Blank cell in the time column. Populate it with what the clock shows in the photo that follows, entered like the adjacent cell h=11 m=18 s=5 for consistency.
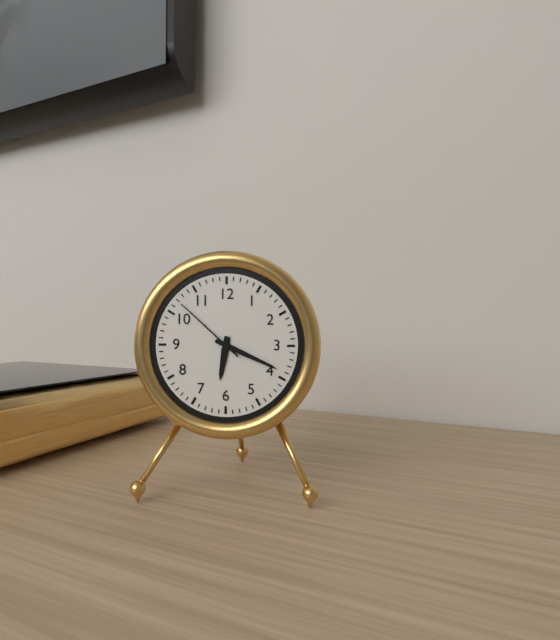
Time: h=6 m=19 s=52
